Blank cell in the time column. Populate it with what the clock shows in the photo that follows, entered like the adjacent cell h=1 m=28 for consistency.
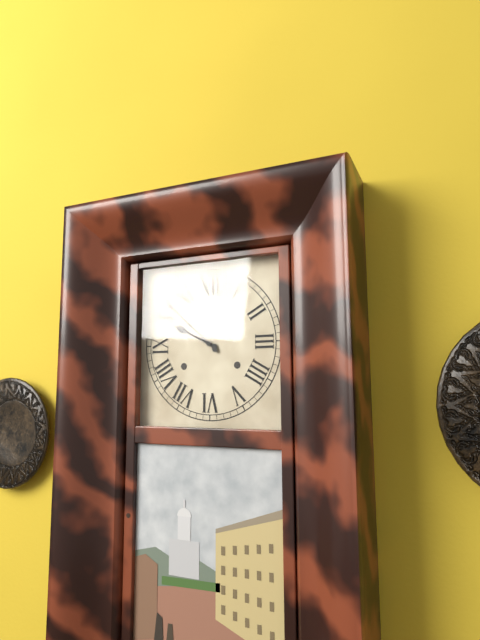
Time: h=9 m=52
